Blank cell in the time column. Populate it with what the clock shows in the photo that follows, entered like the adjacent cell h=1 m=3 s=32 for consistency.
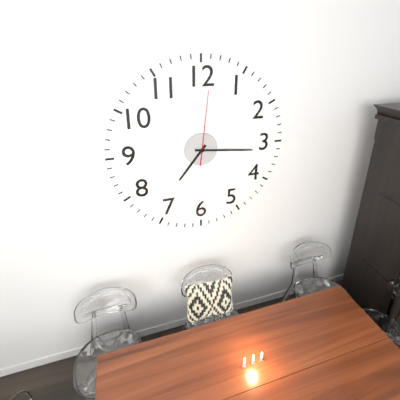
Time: h=7 m=16 s=1
